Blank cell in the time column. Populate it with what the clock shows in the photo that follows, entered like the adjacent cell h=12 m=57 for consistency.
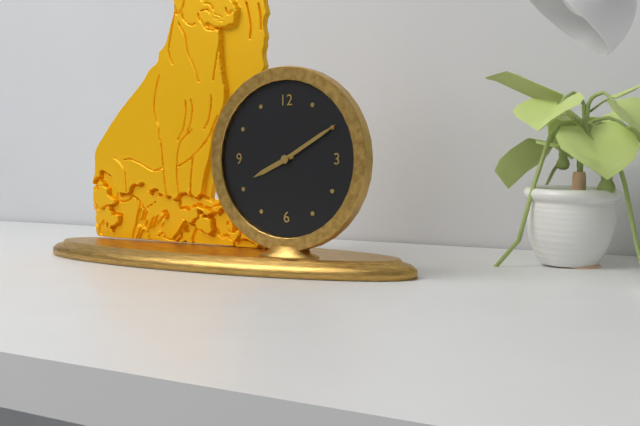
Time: h=8 m=10
